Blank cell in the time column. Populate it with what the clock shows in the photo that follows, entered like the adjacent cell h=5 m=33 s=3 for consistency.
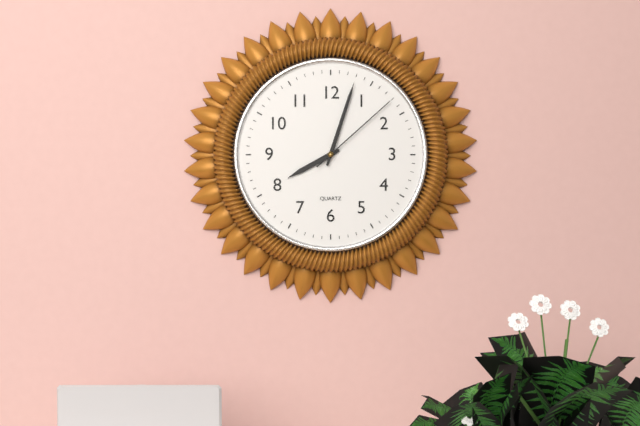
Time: h=8 m=3 s=8
